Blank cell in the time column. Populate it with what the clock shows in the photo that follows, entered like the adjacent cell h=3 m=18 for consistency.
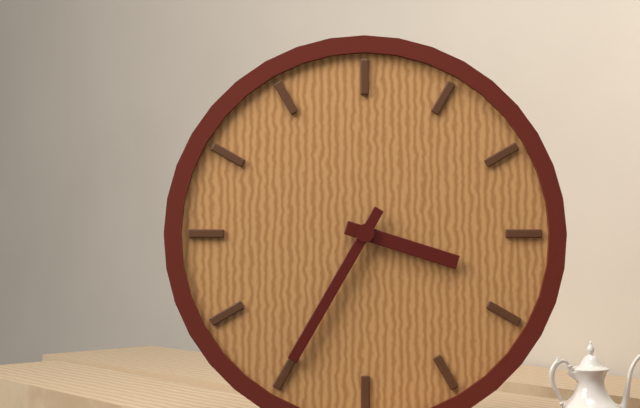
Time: h=3 m=35
